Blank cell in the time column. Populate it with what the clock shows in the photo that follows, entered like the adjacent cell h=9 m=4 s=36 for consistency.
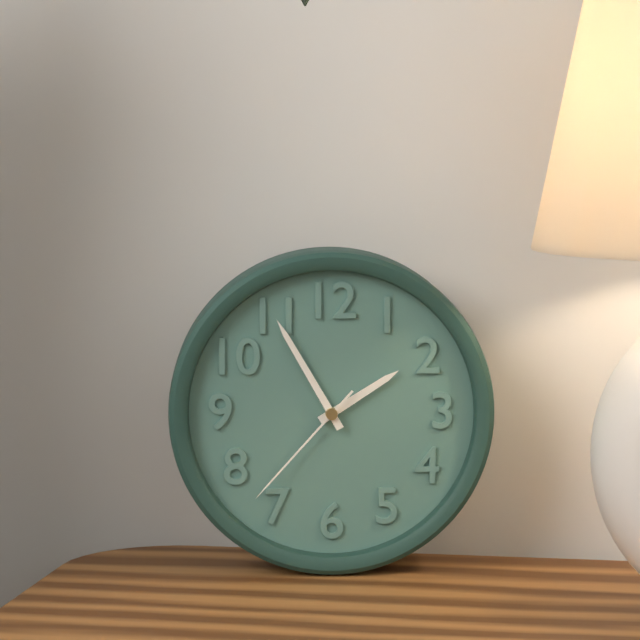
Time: h=1 m=55 s=37
